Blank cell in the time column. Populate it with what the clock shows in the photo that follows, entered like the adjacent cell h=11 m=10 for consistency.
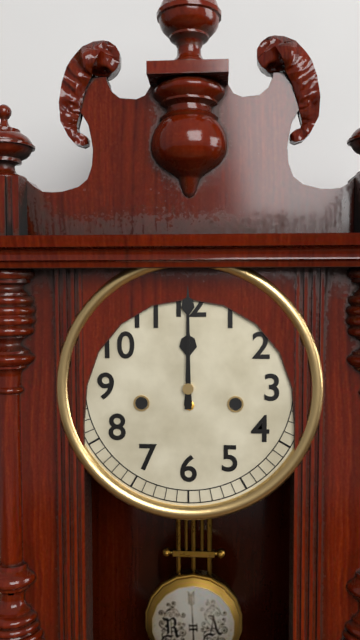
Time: h=12 m=0
